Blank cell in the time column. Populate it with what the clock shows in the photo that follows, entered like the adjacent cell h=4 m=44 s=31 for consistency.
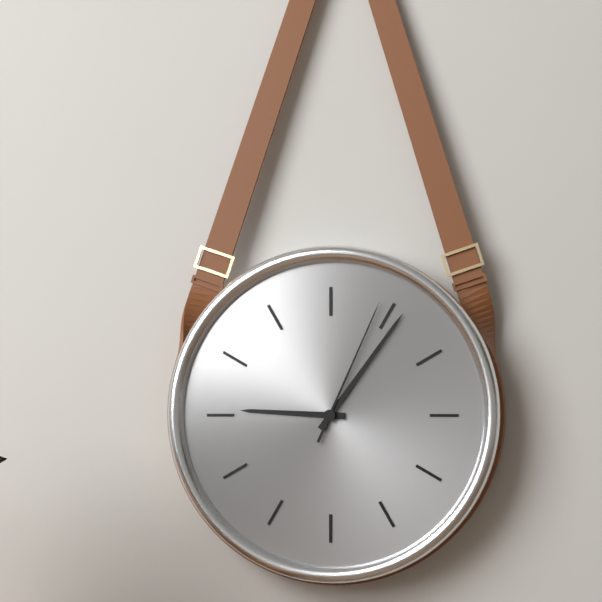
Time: h=9 m=6 s=4
